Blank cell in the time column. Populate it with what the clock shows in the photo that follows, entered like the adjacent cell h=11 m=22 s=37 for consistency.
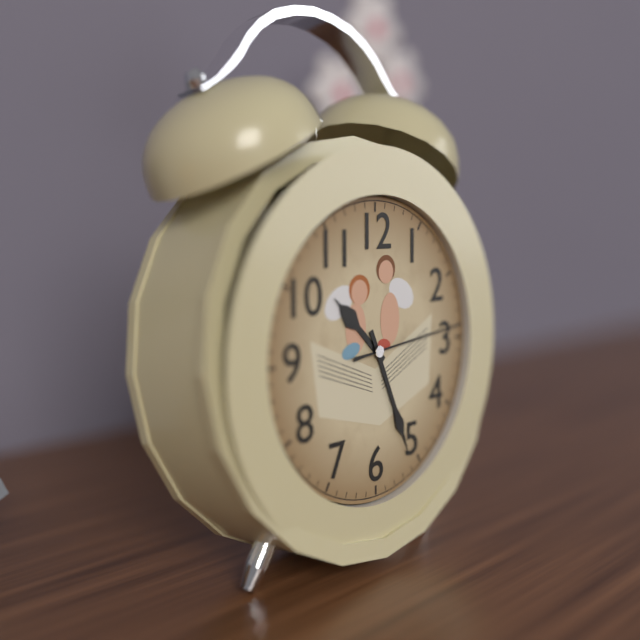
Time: h=10 m=26 s=14
